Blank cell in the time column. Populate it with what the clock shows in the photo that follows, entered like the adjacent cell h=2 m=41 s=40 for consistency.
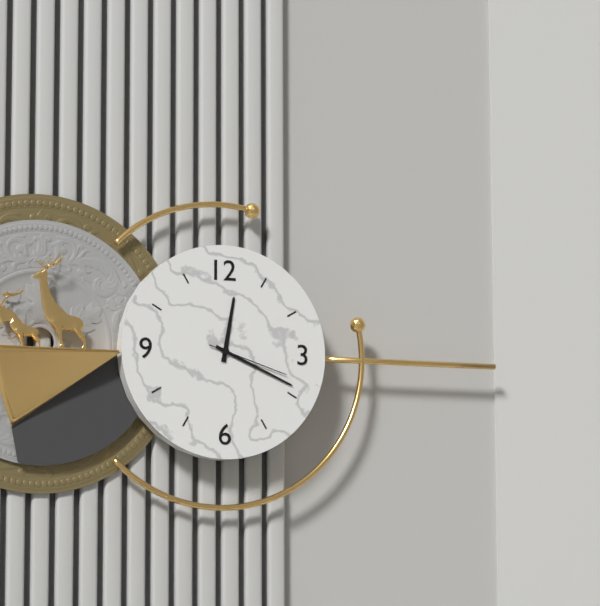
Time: h=12 m=19 s=18
